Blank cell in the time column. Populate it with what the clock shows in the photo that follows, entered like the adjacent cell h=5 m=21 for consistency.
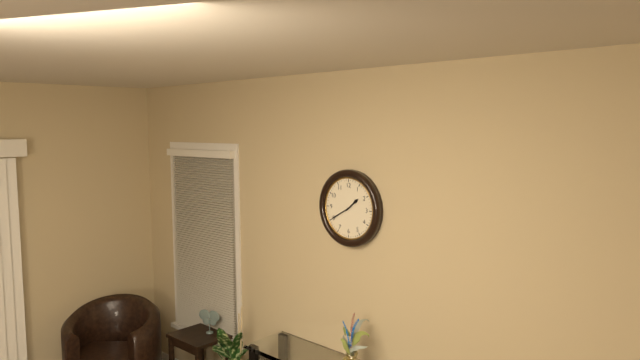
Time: h=1 m=40
